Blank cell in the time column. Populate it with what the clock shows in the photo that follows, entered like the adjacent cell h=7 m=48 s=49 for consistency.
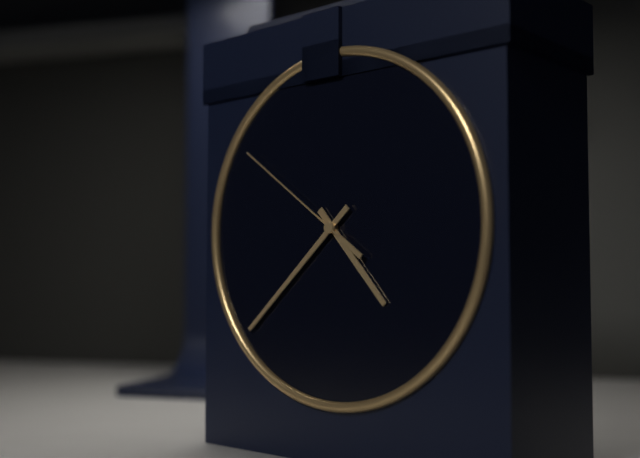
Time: h=4 m=38 s=51
